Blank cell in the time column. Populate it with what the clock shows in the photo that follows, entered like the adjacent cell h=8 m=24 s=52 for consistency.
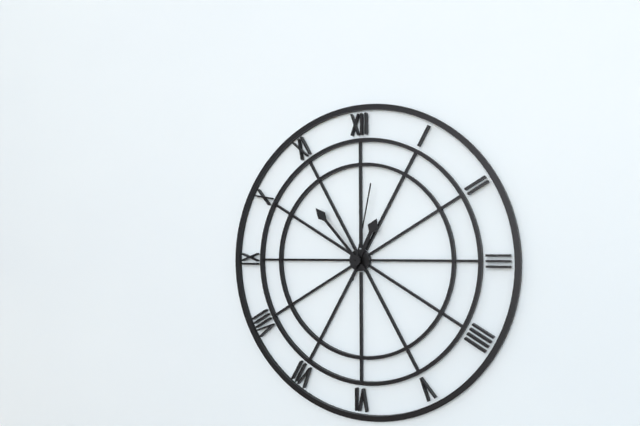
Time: h=12 m=53 s=2
